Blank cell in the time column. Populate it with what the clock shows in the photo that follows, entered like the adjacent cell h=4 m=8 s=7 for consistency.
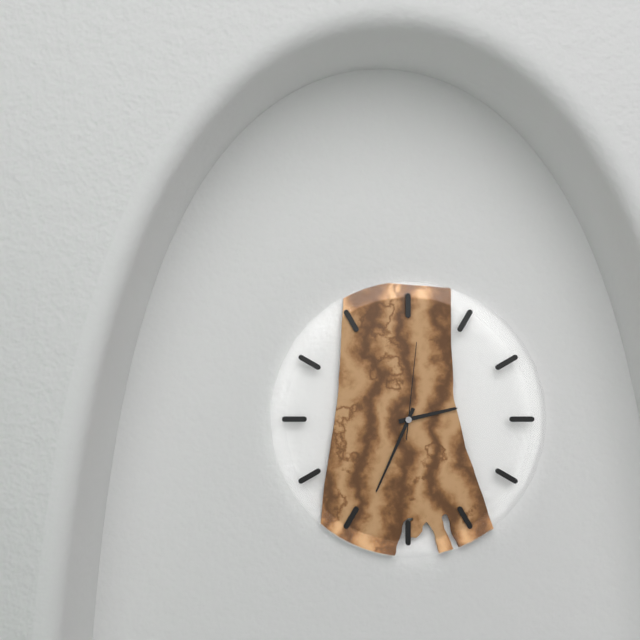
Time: h=2 m=34 s=1
